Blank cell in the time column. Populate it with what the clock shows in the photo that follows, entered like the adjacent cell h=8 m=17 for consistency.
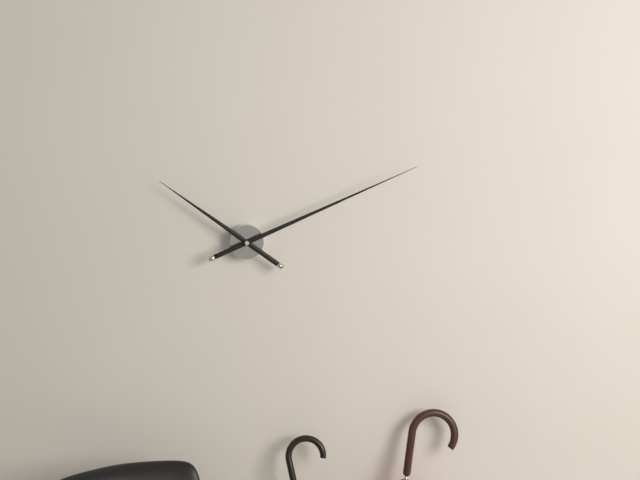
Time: h=10 m=11
